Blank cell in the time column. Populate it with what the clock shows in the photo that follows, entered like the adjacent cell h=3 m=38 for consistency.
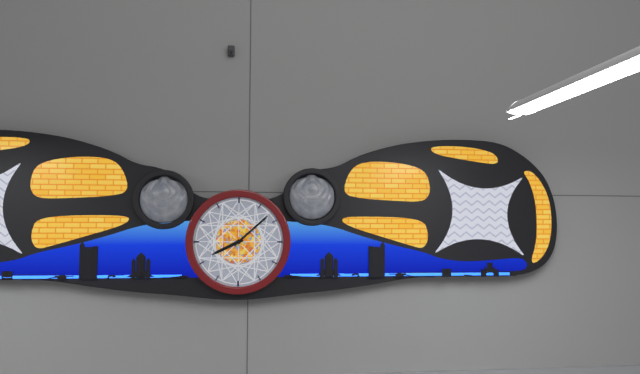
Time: h=8 m=8
